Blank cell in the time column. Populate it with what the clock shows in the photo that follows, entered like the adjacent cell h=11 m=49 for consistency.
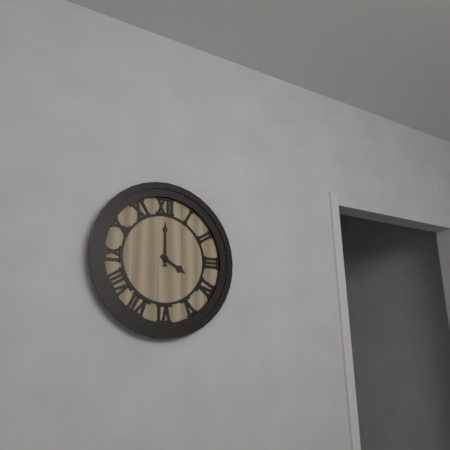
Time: h=4 m=0
